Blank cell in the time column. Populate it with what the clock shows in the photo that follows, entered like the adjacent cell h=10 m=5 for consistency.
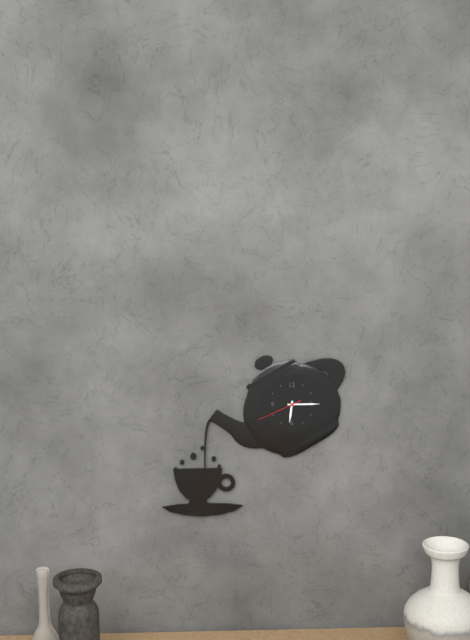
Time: h=6 m=15
